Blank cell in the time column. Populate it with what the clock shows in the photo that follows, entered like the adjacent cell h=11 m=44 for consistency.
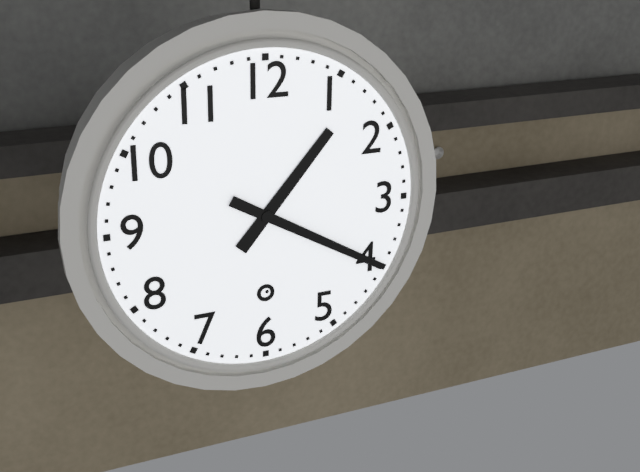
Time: h=1 m=20
